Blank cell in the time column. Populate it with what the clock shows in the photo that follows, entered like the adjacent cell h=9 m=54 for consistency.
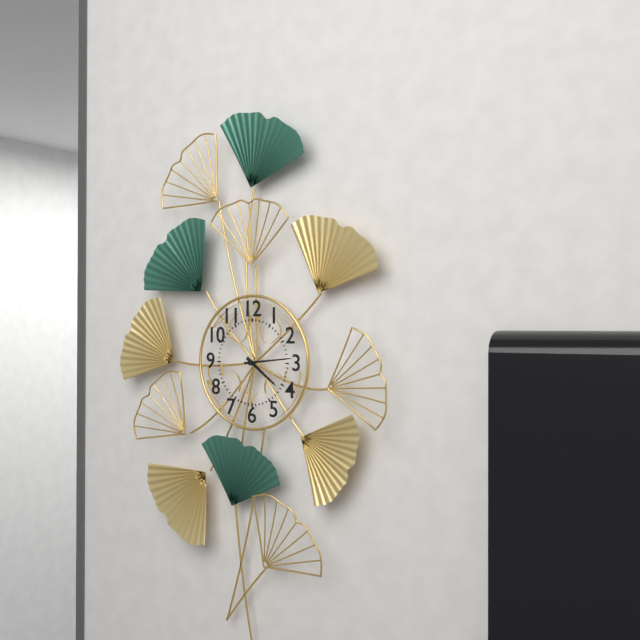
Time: h=4 m=14
